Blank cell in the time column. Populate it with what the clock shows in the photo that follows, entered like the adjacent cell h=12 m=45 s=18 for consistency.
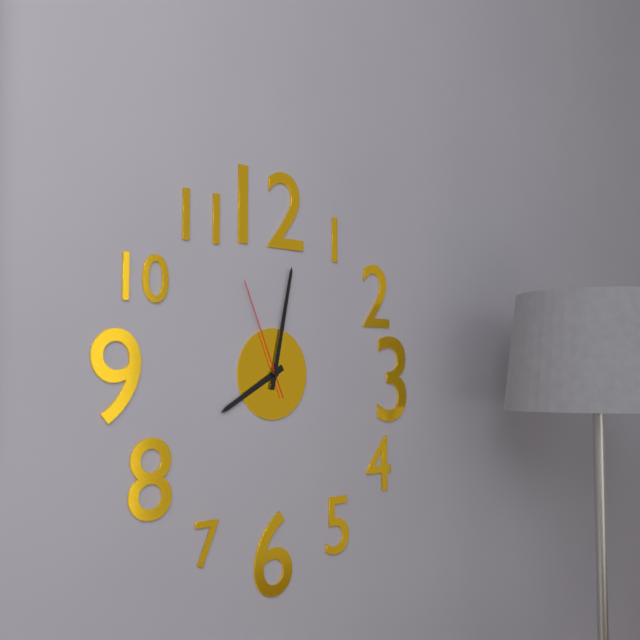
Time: h=8 m=2 s=56
